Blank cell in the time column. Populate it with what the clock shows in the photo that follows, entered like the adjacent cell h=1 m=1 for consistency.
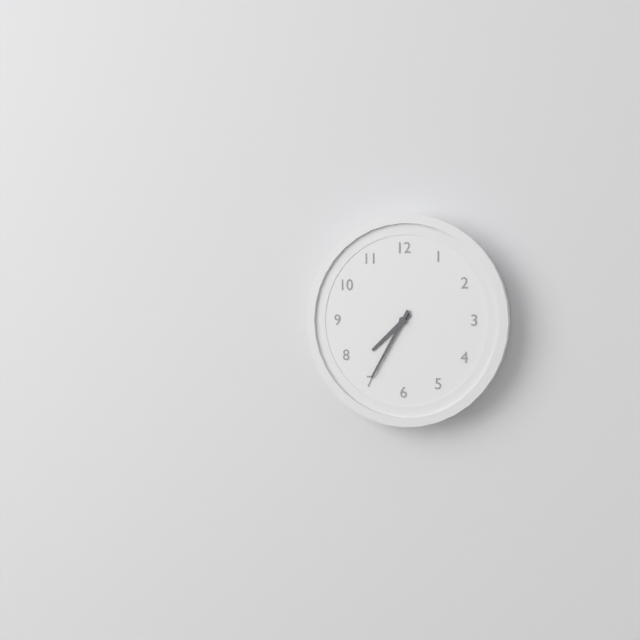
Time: h=7 m=35
